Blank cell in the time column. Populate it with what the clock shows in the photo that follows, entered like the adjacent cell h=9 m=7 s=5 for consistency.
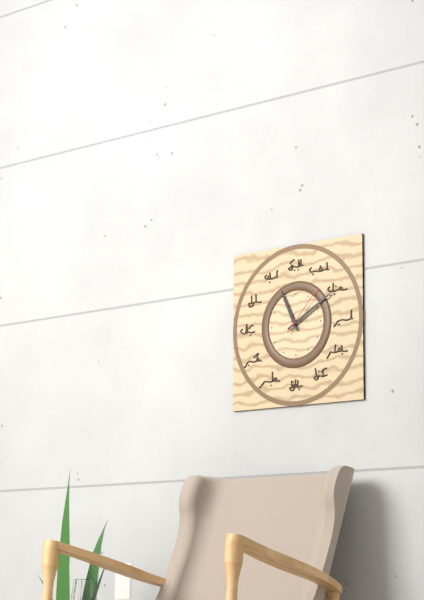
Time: h=11 m=10 s=7
